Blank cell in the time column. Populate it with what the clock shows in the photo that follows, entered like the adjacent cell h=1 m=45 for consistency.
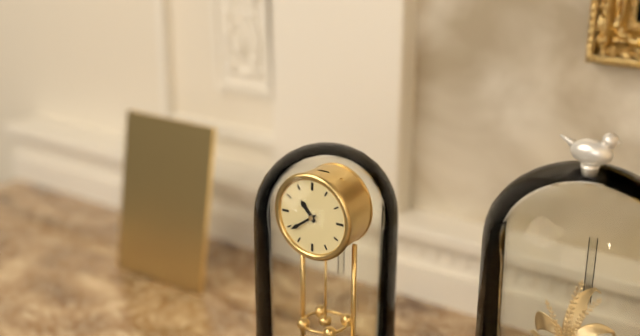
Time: h=10 m=39
